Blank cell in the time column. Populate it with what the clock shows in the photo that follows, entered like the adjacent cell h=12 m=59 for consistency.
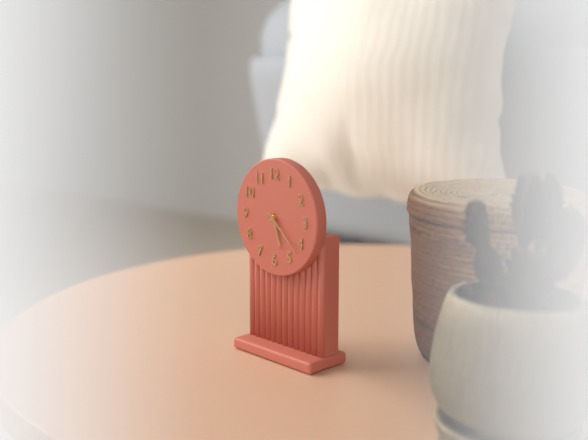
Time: h=5 m=22
